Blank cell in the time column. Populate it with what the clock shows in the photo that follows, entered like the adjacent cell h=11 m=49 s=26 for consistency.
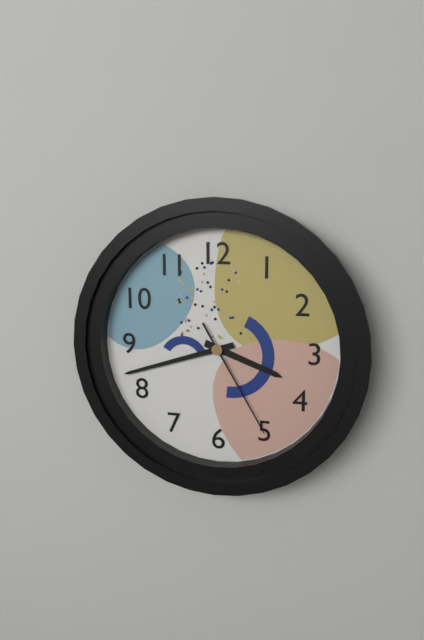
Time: h=3 m=42 s=25
